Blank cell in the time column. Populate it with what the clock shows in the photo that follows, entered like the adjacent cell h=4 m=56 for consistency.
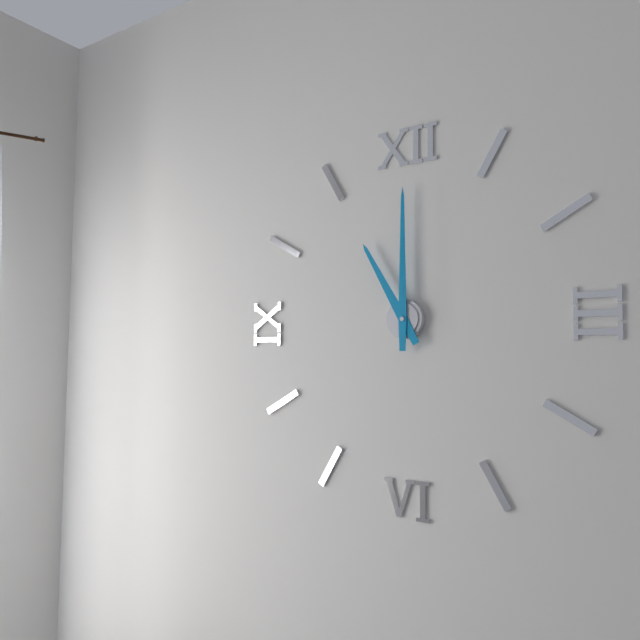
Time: h=11 m=0
